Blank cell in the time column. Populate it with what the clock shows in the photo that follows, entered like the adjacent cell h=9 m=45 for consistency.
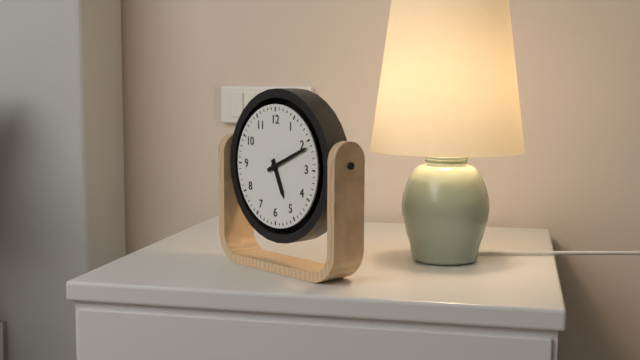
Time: h=5 m=11
